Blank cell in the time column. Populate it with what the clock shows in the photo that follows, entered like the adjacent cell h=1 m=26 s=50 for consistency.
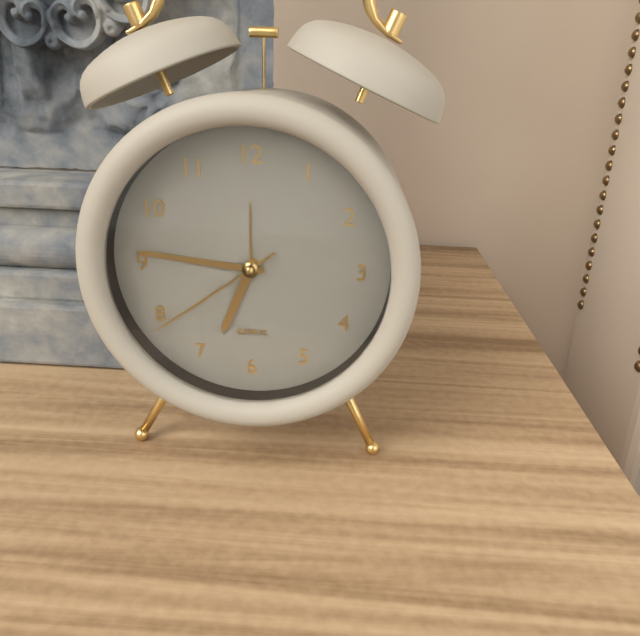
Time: h=6 m=46 s=39
